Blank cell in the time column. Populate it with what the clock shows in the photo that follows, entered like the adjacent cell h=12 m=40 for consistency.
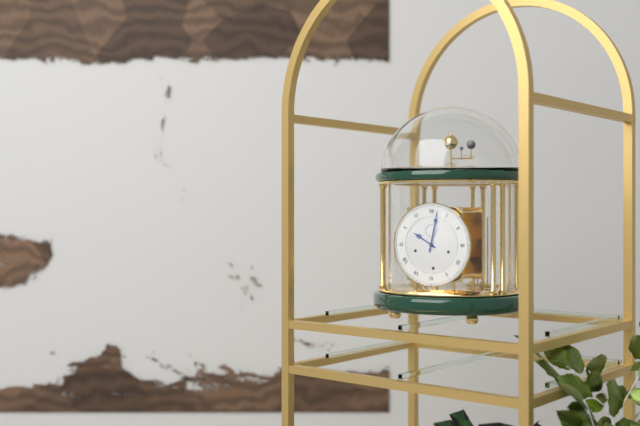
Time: h=10 m=2
